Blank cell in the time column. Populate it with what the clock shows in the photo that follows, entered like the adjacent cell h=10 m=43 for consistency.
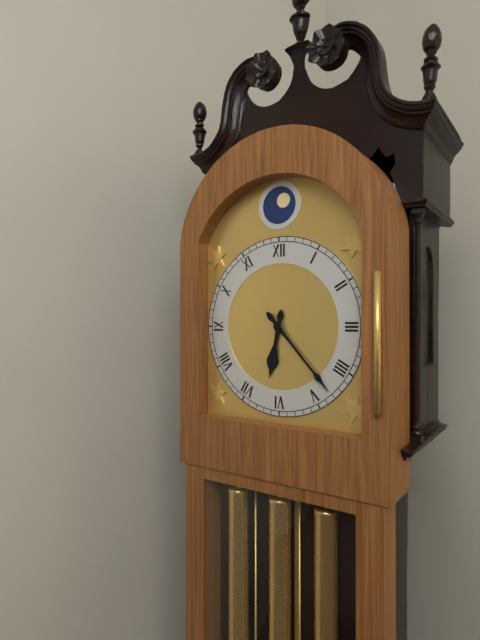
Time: h=6 m=23
